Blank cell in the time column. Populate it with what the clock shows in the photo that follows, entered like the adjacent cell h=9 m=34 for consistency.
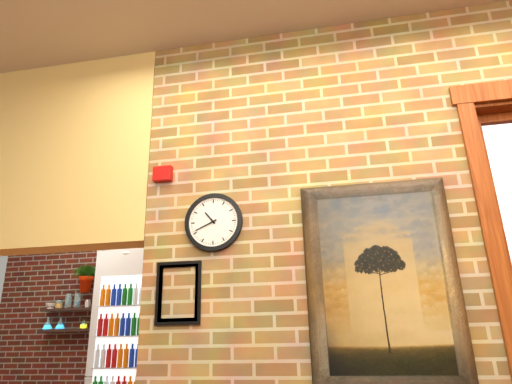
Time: h=10 m=41
